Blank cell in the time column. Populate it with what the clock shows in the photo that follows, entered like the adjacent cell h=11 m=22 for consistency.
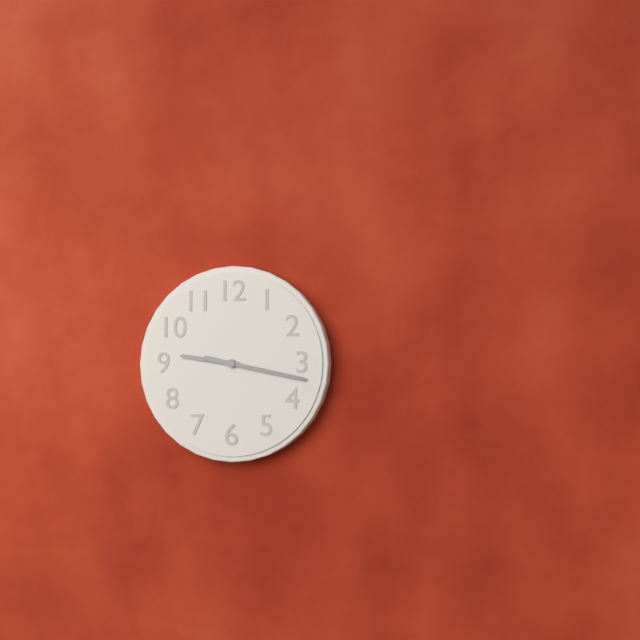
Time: h=9 m=17
